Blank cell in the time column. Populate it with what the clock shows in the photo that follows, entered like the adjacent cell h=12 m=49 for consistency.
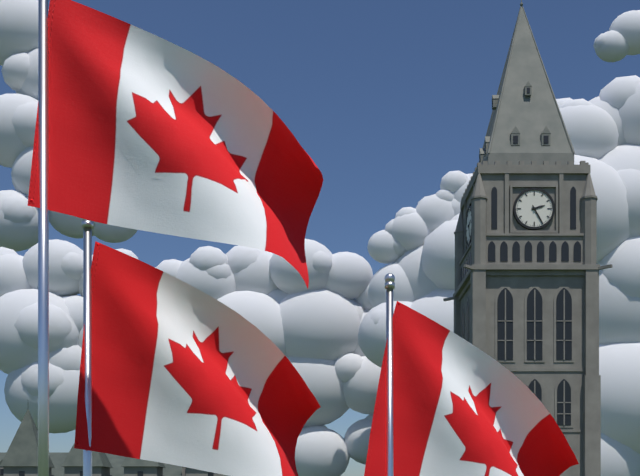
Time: h=2 m=25
